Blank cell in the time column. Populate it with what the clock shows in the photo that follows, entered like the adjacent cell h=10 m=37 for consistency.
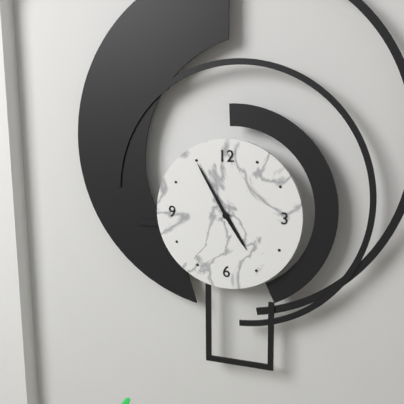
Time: h=4 m=55
